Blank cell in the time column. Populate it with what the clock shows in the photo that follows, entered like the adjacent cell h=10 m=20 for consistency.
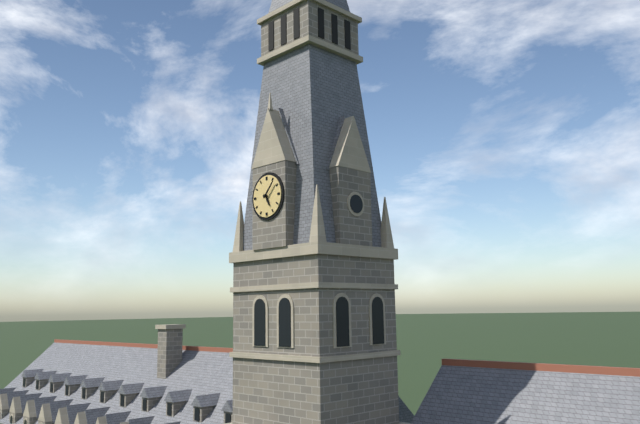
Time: h=5 m=7
